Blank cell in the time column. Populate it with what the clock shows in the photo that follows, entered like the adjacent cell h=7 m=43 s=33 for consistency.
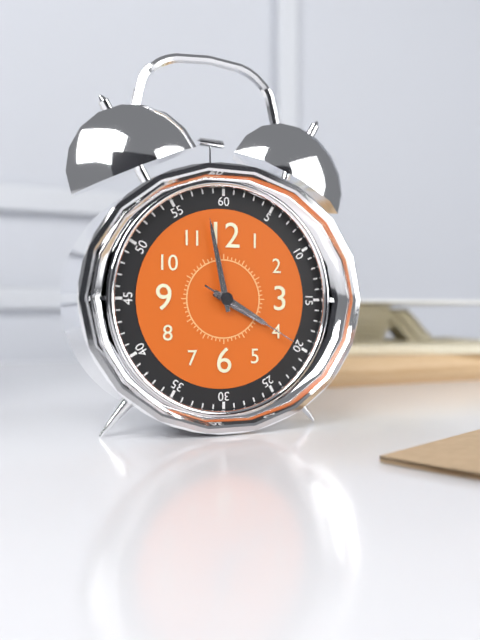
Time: h=3 m=58 s=20
